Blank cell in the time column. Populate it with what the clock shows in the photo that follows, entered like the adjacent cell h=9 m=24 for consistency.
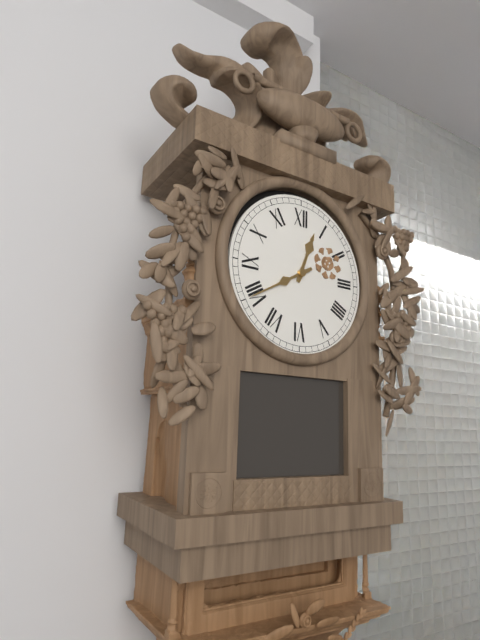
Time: h=12 m=40
